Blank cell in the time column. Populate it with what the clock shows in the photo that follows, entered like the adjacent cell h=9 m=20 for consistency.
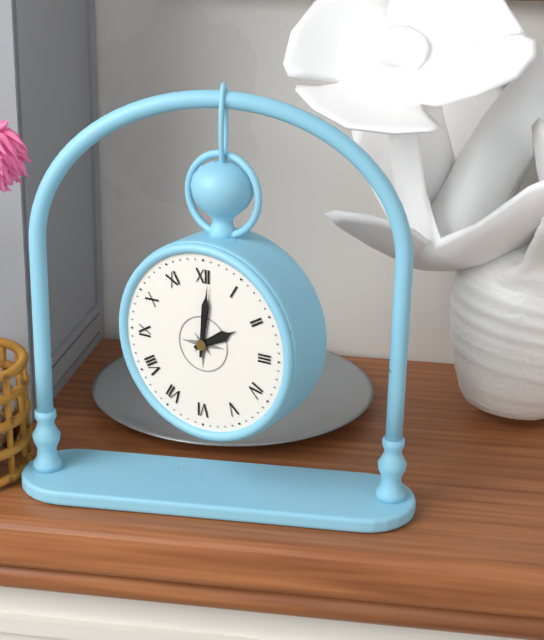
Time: h=2 m=1
